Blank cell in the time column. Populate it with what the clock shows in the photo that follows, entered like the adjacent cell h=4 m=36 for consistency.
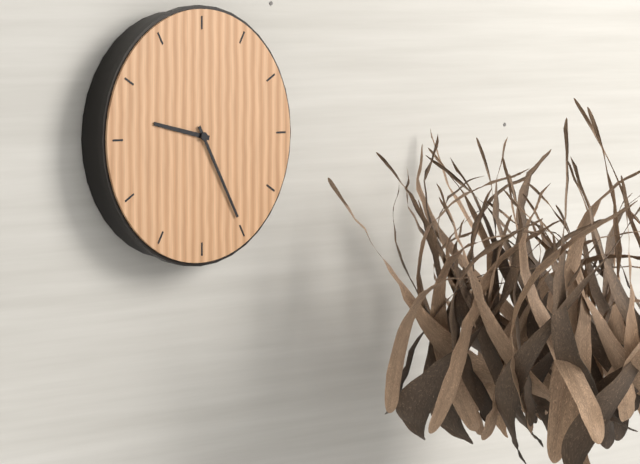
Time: h=9 m=25
